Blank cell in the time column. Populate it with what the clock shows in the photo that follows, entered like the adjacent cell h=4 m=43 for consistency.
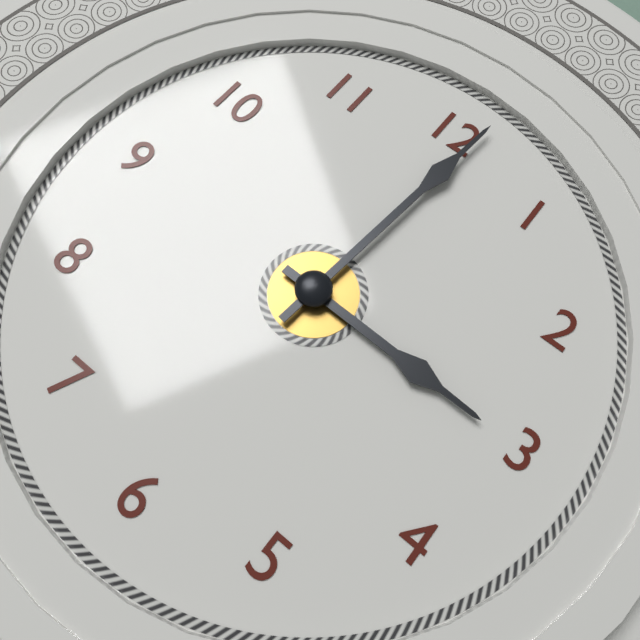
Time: h=3 m=1
